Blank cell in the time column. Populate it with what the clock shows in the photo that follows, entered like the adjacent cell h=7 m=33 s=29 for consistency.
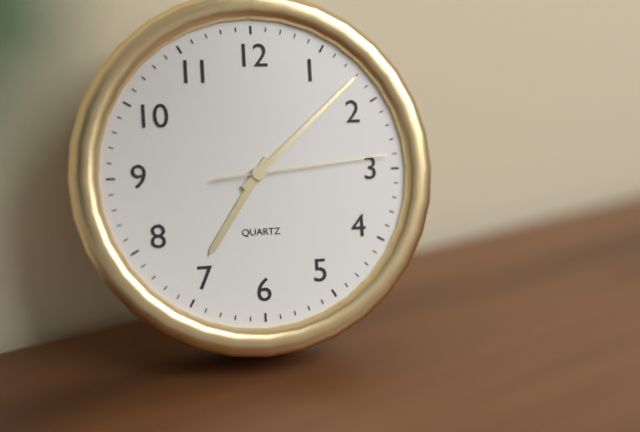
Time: h=7 m=8 s=14
